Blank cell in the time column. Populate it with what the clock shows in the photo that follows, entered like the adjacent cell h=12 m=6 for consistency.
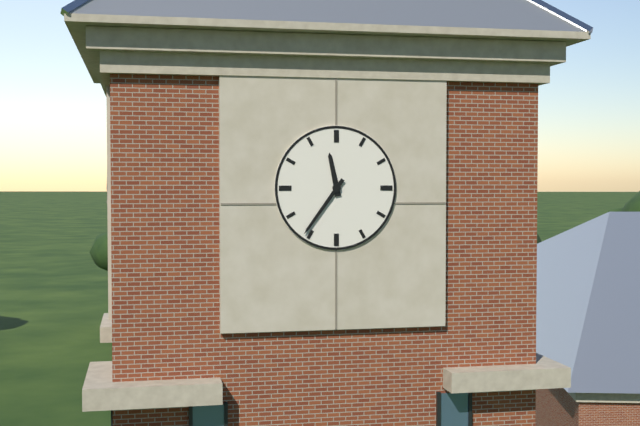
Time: h=11 m=36
